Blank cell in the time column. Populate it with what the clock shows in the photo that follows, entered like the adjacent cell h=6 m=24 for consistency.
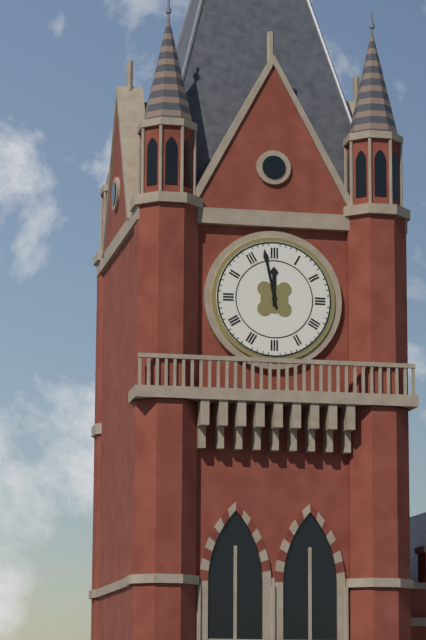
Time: h=11 m=58
